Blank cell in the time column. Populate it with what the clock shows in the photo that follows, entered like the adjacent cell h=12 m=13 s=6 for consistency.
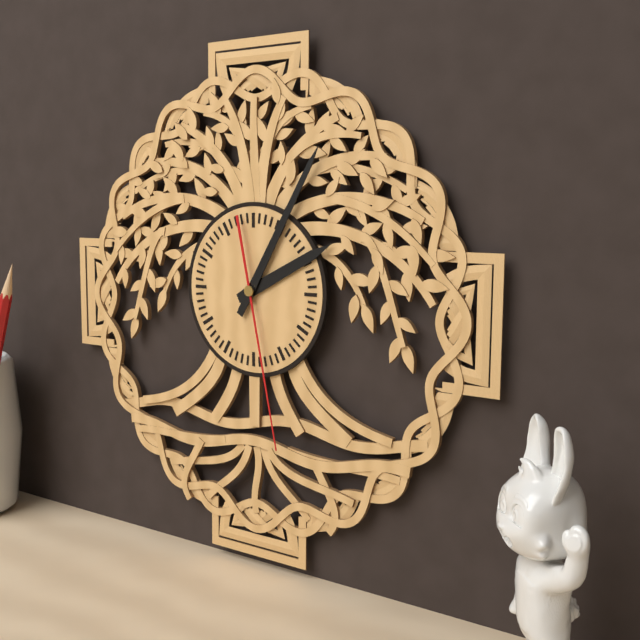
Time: h=2 m=5 s=28
